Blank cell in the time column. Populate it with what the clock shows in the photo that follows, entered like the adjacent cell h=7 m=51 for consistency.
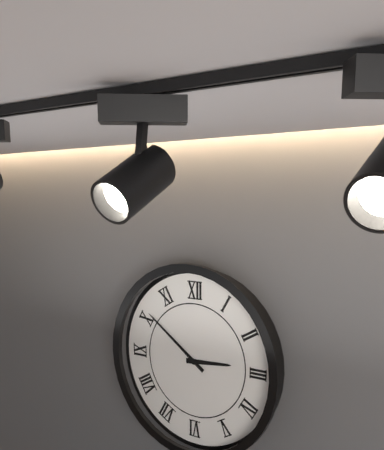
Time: h=2 m=51
